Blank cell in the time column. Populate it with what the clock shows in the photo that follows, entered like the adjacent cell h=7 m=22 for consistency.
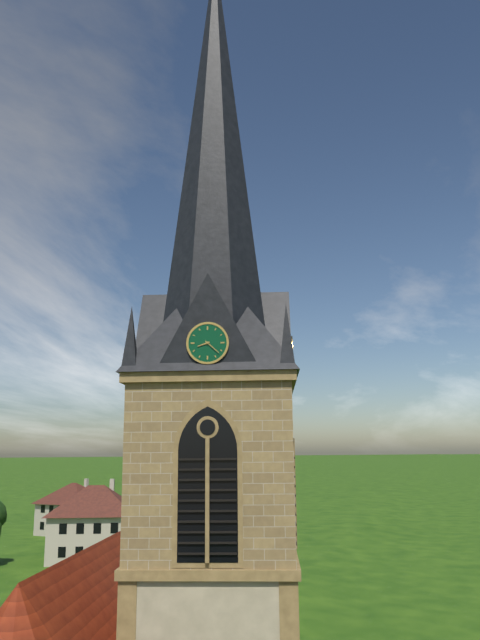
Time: h=8 m=22
